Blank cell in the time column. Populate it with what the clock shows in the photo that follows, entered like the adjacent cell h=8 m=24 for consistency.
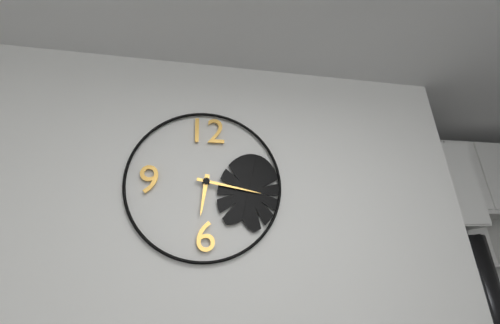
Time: h=6 m=17
